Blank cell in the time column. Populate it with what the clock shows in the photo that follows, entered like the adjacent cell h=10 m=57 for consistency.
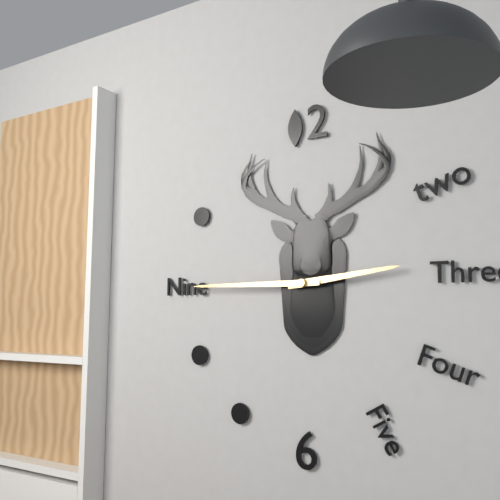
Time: h=2 m=45
